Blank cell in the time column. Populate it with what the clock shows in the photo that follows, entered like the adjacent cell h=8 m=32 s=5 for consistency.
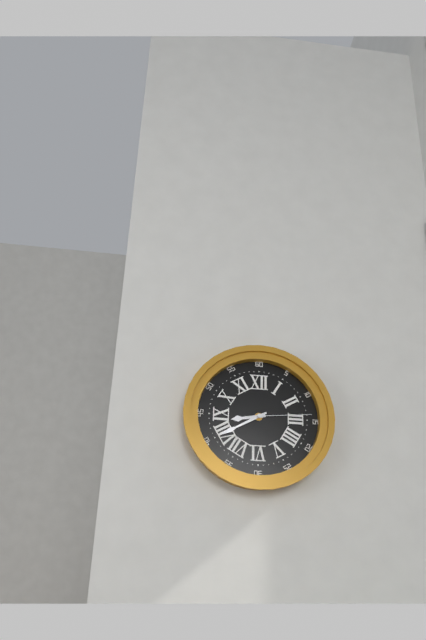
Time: h=8 m=40 s=14
